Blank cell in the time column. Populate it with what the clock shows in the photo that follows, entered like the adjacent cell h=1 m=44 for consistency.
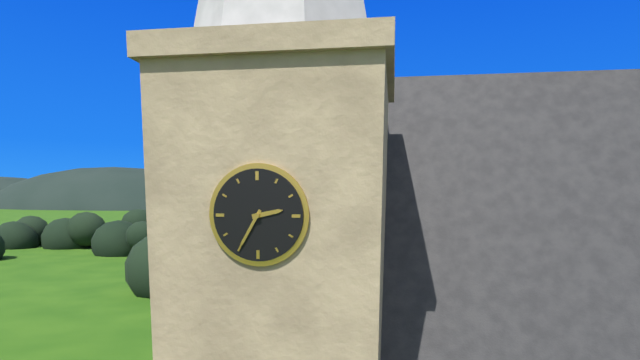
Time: h=2 m=35
